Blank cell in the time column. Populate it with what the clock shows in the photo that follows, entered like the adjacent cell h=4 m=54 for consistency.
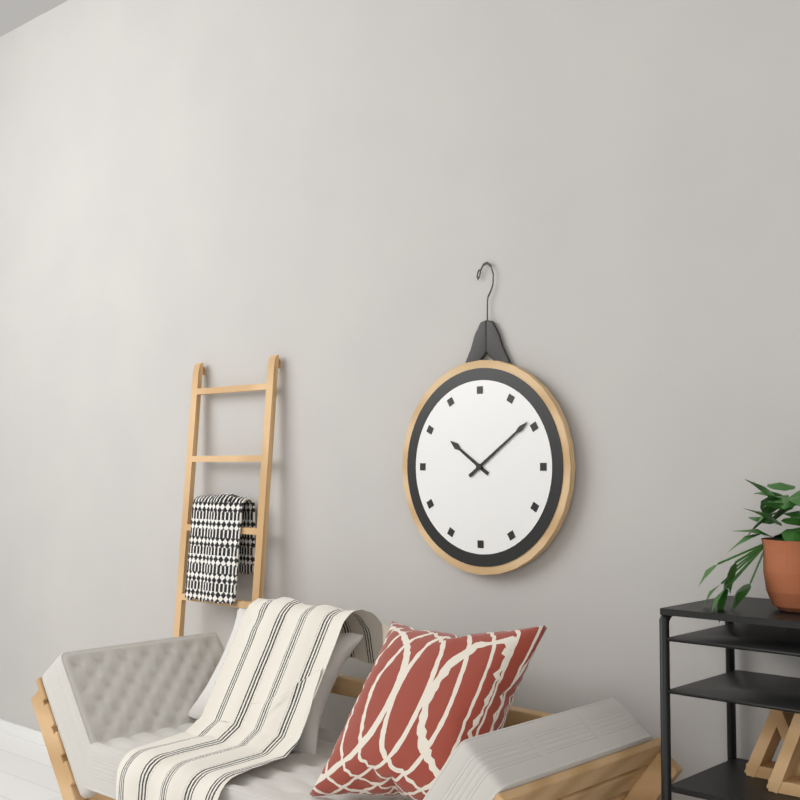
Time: h=10 m=9
